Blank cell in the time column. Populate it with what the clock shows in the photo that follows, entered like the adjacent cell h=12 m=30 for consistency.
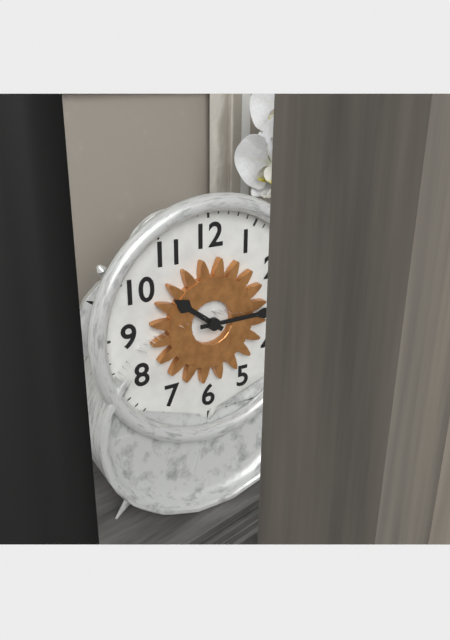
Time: h=10 m=15
